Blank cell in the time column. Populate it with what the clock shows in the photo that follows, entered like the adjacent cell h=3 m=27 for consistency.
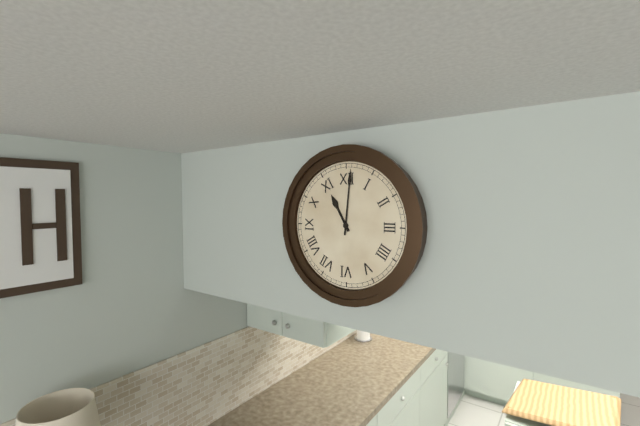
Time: h=11 m=1
